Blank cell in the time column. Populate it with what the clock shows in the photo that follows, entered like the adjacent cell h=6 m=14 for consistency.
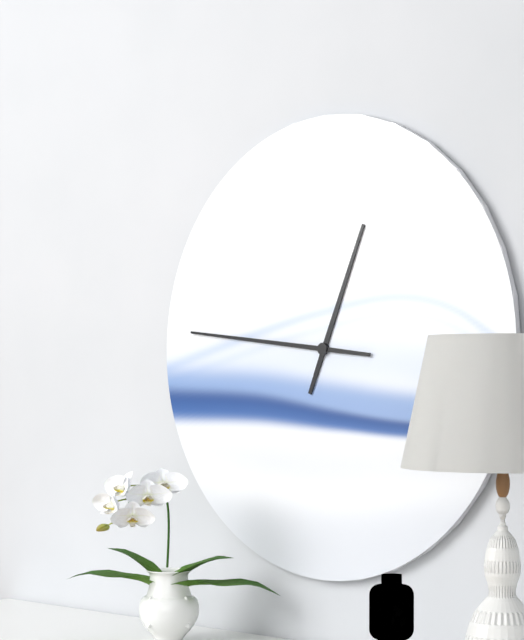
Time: h=12 m=46
